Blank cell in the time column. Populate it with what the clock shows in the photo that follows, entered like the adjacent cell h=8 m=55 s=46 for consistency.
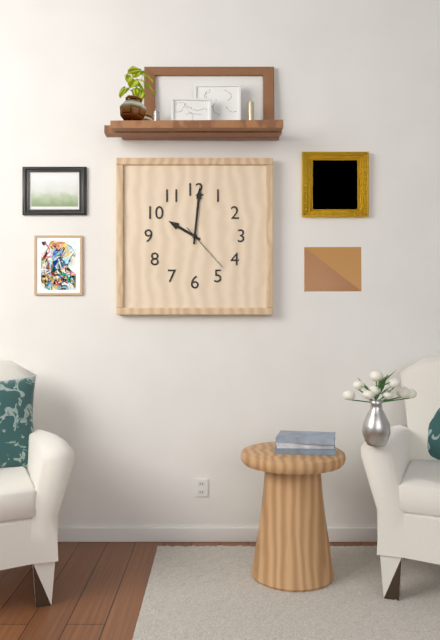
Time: h=10 m=1 s=23
